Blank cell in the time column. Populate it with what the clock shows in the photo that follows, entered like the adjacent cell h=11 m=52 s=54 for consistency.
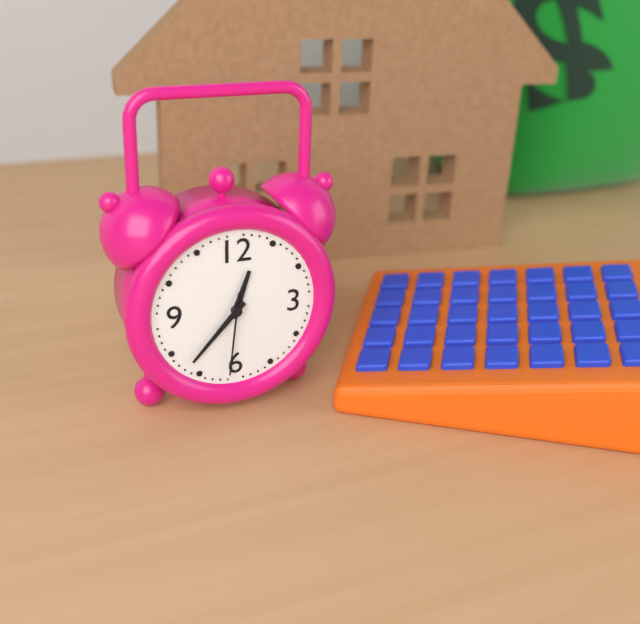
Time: h=12 m=37 s=31
